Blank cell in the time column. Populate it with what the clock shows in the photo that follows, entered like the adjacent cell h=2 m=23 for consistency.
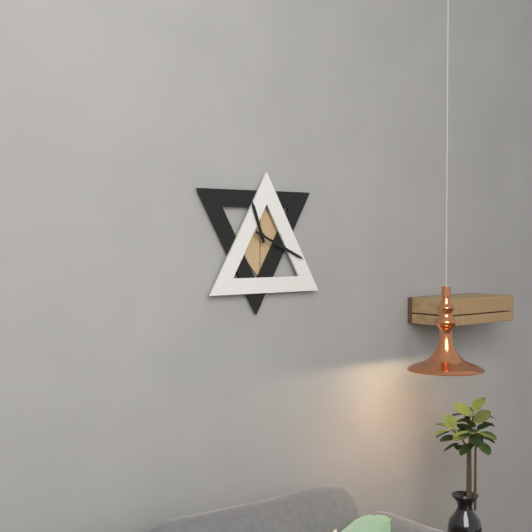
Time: h=11 m=19
